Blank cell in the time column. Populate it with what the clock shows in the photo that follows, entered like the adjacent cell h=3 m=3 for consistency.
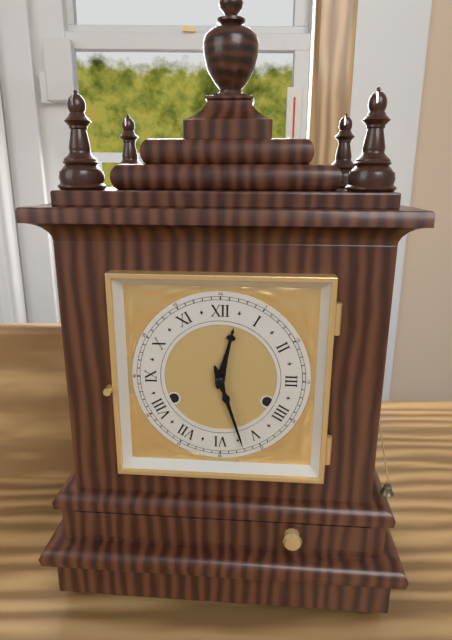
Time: h=12 m=27
